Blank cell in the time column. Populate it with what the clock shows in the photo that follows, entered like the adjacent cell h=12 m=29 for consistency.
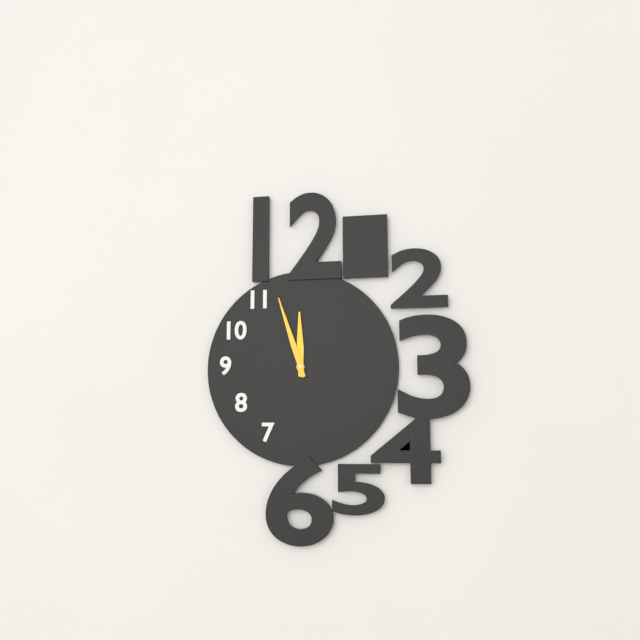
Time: h=11 m=57
